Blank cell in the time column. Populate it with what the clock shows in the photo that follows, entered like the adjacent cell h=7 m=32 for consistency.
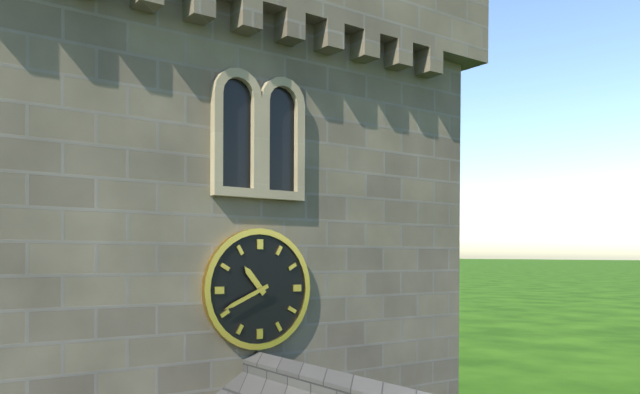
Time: h=10 m=41
